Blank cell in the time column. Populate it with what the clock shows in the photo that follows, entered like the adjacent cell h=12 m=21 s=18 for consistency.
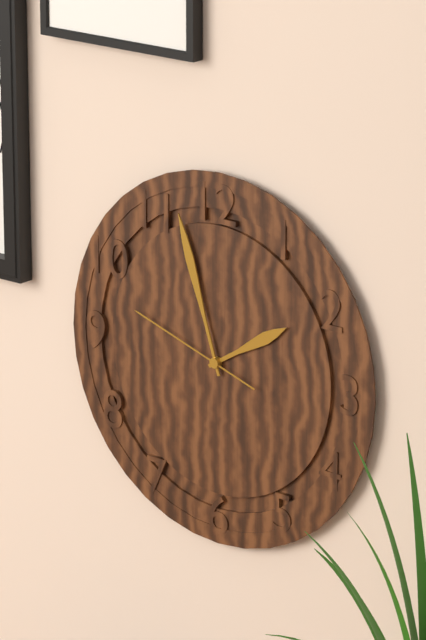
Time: h=1 m=57 s=48
